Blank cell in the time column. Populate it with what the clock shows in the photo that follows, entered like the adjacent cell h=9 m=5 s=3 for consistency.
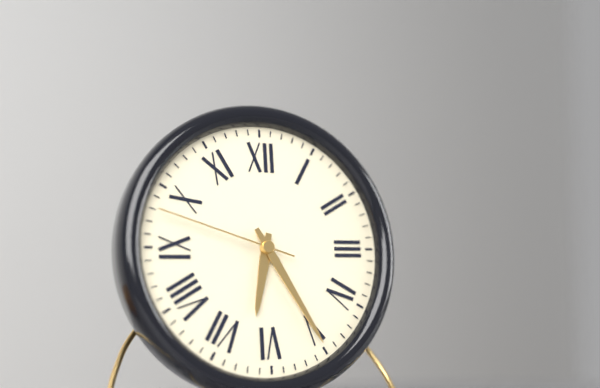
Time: h=6 m=25 s=48
